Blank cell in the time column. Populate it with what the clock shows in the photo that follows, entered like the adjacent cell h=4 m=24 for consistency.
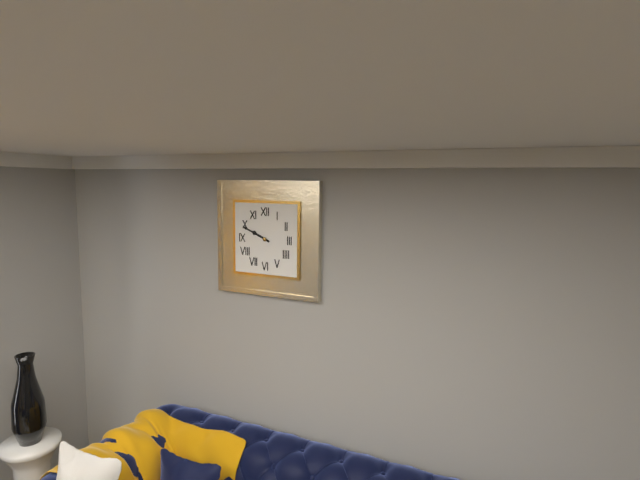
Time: h=9 m=49
